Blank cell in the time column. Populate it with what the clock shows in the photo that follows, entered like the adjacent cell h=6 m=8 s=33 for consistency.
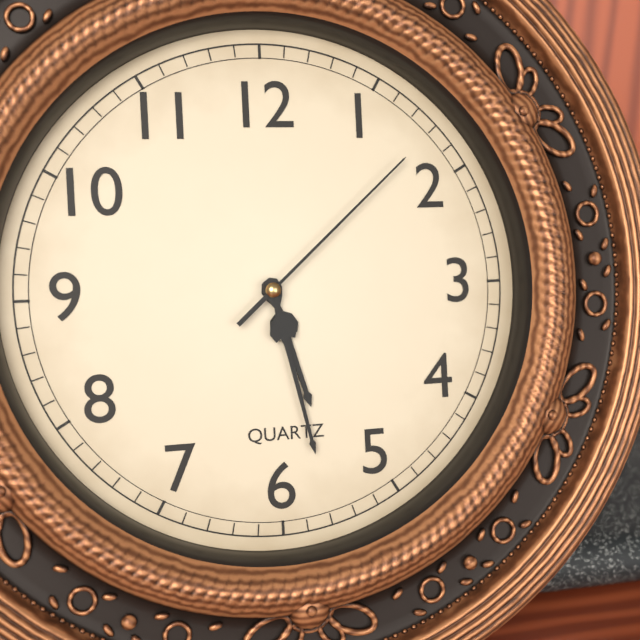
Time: h=5 m=28 s=8
